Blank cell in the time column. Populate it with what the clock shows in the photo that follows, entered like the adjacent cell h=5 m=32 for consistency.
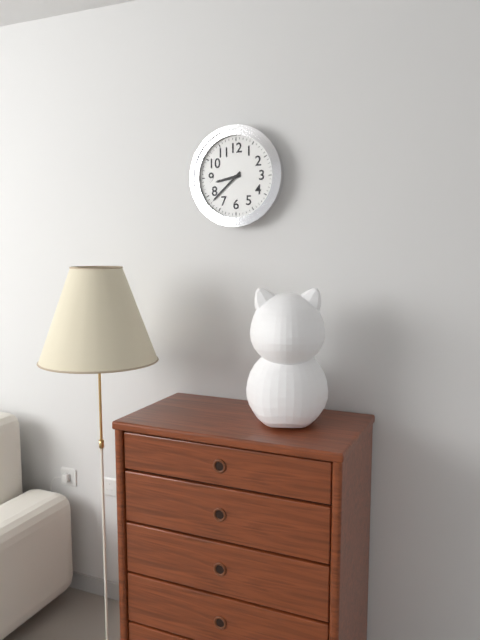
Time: h=8 m=38
